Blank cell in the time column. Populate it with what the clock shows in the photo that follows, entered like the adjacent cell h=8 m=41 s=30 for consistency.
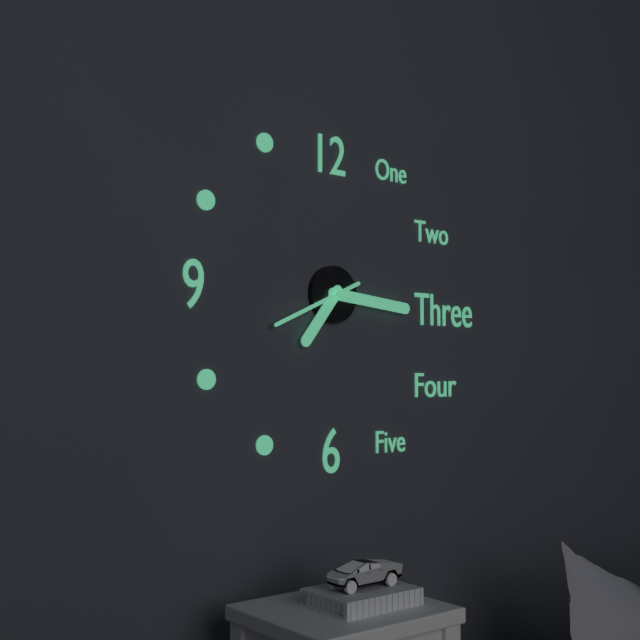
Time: h=7 m=16 s=41
